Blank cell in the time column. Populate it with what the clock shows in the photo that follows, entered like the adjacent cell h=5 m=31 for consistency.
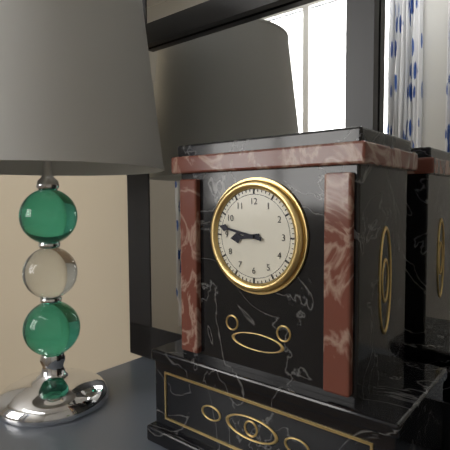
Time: h=8 m=47
